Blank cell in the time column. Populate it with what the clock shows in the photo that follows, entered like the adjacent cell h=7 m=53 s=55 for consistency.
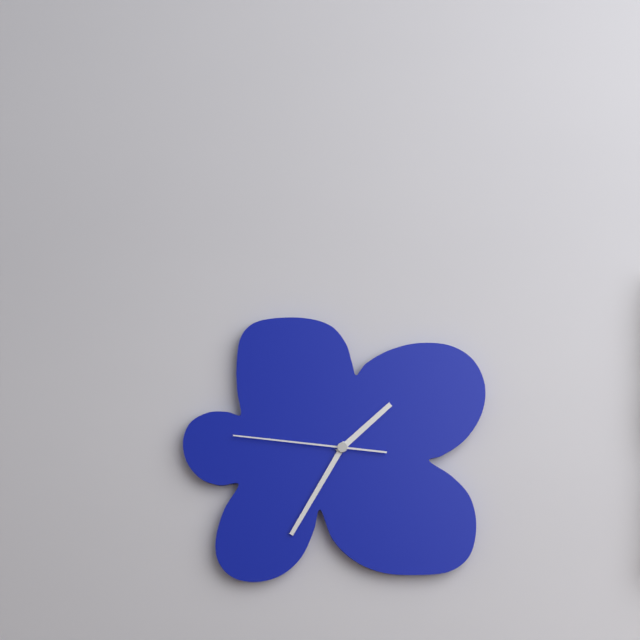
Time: h=1 m=35 s=46
